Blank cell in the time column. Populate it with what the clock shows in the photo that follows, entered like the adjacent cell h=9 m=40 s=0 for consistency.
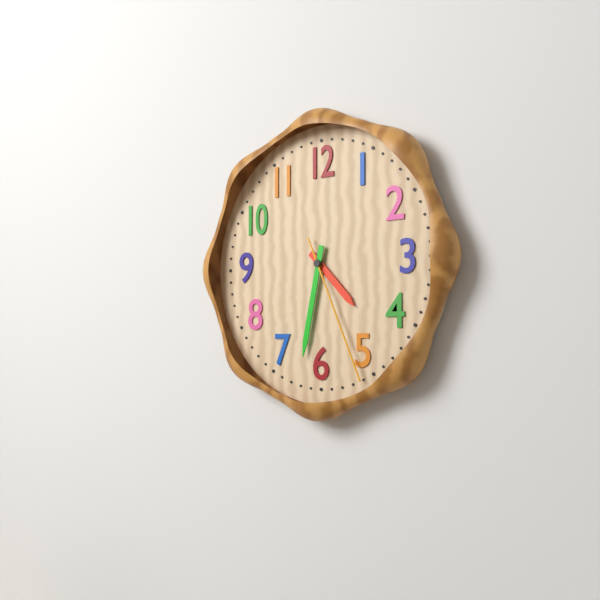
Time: h=4 m=32 s=26
